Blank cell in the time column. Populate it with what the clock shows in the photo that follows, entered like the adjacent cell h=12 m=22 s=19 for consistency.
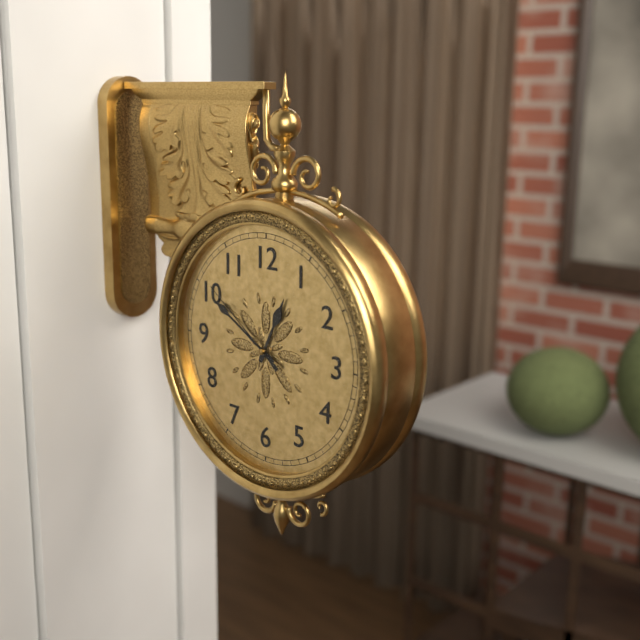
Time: h=12 m=50 s=51
